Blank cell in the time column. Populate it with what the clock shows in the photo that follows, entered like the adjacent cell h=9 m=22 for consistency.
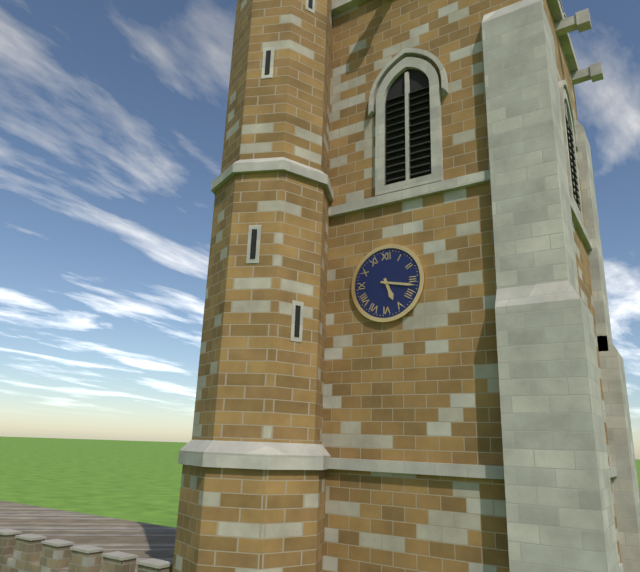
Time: h=5 m=17
